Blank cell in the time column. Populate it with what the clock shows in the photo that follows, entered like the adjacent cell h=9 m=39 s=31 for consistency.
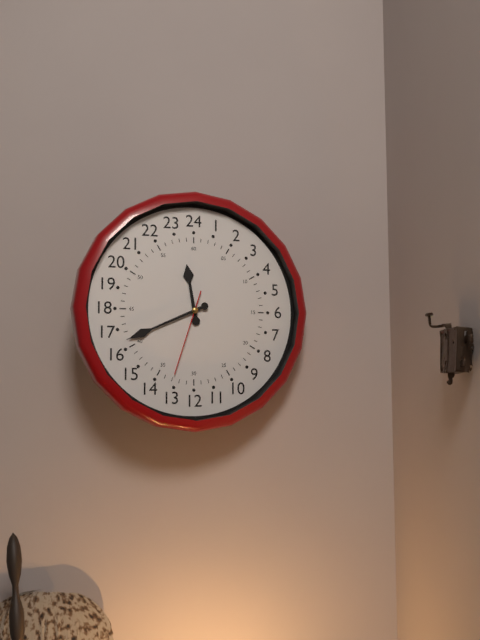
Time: h=11 m=41 s=33
